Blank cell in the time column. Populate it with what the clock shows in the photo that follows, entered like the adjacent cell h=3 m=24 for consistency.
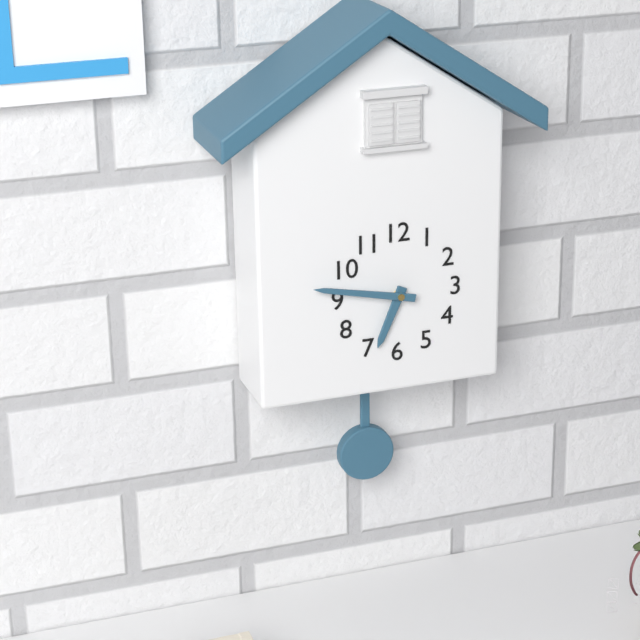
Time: h=6 m=47
